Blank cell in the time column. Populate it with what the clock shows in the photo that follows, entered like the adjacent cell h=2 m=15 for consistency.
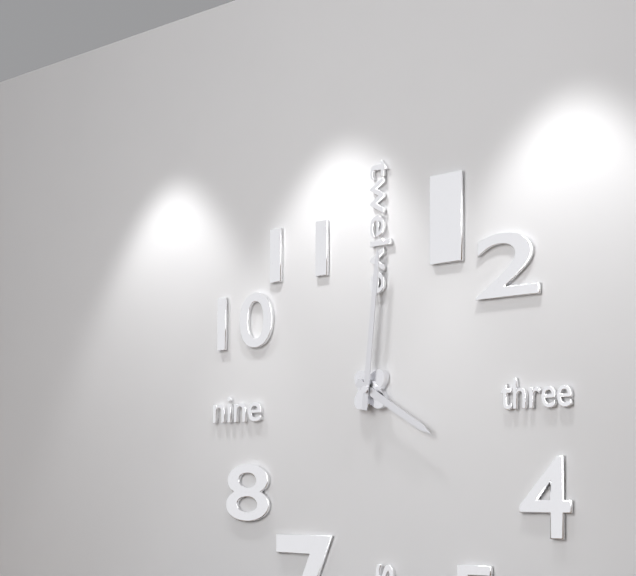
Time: h=4 m=1
